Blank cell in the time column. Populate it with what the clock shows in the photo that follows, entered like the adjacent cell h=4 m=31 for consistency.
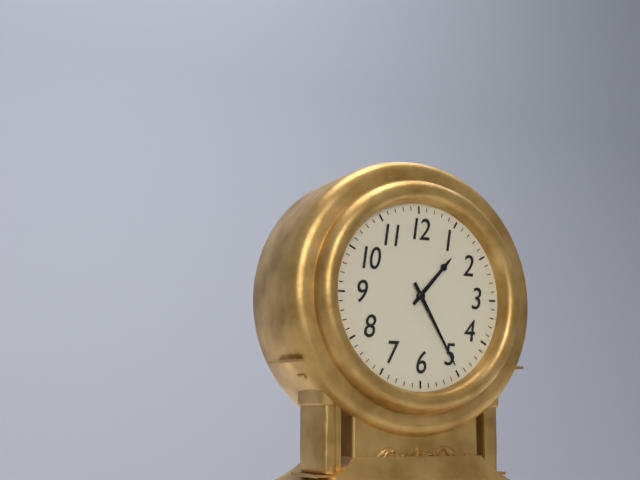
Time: h=1 m=25
